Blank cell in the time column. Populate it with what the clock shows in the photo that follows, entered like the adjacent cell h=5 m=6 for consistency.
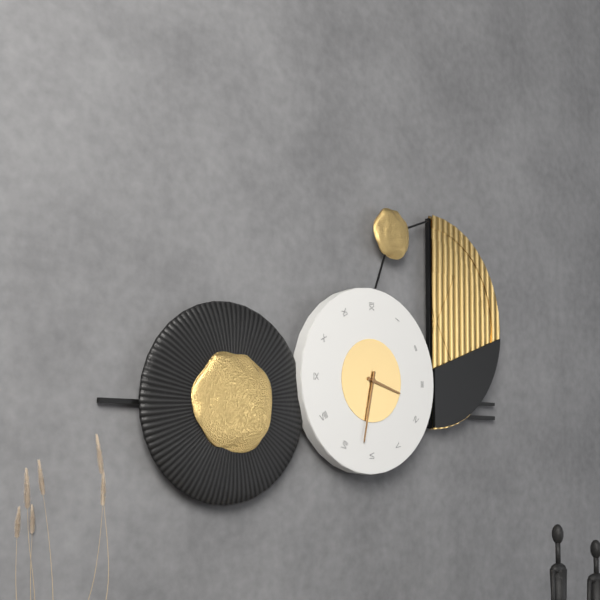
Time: h=3 m=32
